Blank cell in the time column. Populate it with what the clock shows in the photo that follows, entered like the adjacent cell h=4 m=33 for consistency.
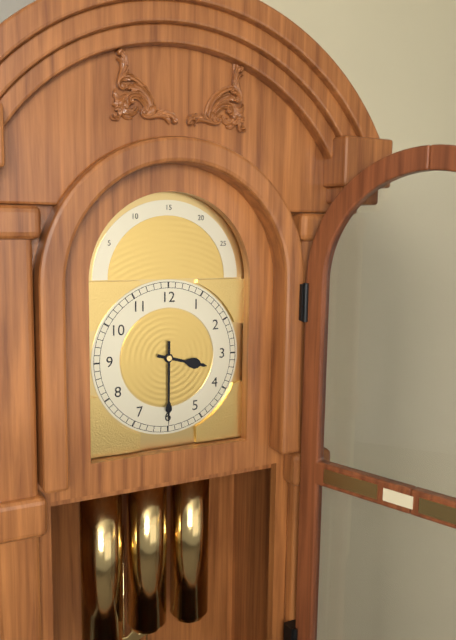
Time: h=3 m=30
